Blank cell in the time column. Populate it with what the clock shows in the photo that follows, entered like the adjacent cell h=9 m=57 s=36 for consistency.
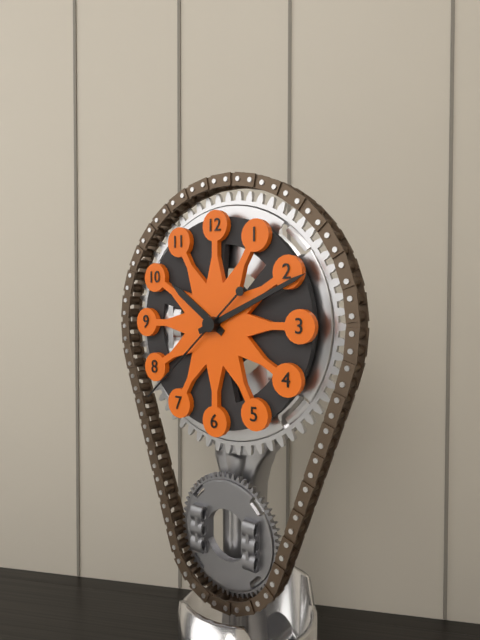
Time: h=10 m=11 s=38
